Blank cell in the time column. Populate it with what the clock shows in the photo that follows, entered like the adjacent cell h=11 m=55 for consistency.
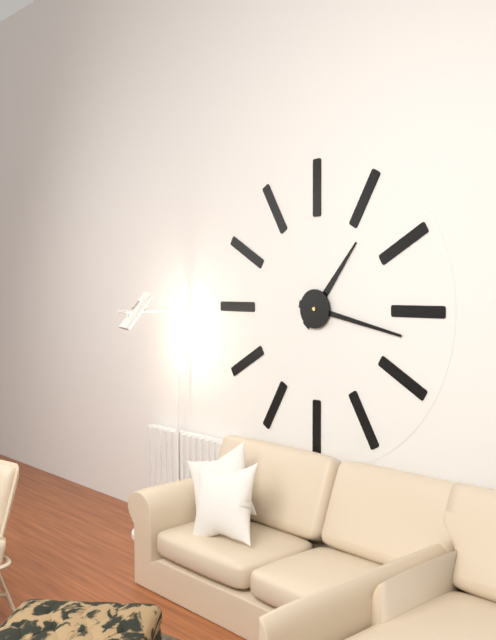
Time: h=1 m=17
